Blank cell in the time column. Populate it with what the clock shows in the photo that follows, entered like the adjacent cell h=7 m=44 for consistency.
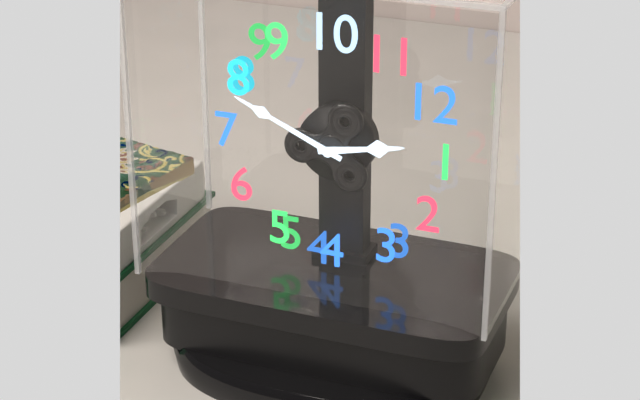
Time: h=12 m=39
